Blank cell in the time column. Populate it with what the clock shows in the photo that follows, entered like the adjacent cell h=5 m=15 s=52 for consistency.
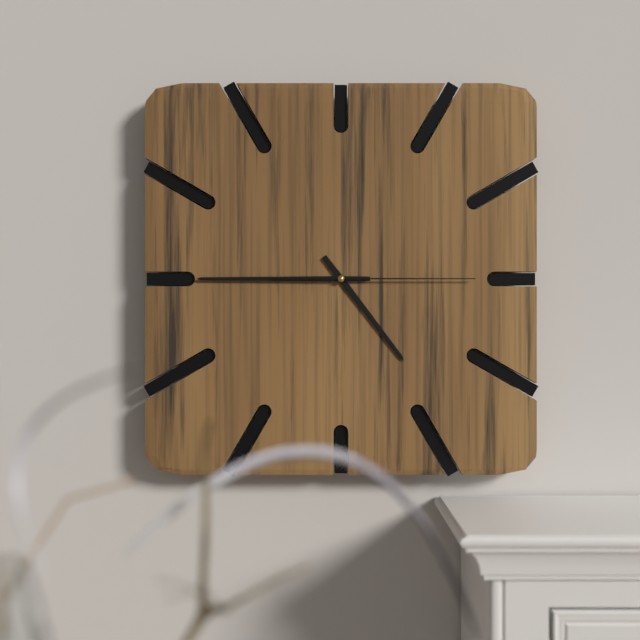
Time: h=4 m=45 s=15
